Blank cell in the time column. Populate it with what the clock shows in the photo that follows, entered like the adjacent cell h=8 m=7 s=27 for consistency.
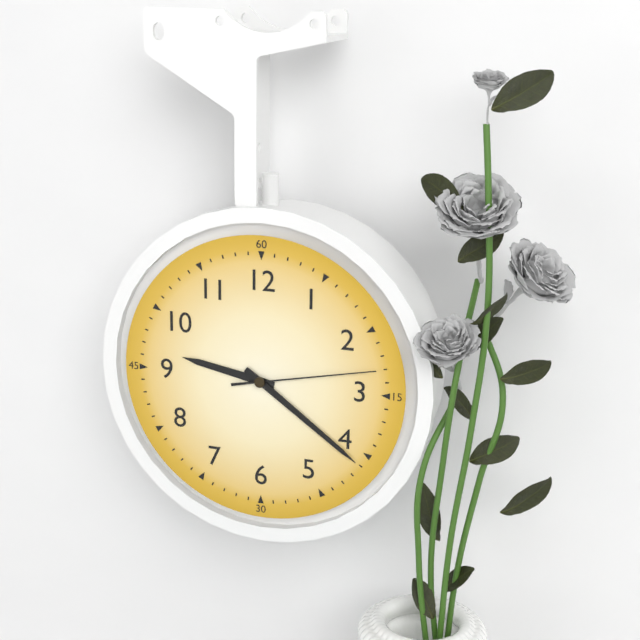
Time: h=9 m=21 s=13
